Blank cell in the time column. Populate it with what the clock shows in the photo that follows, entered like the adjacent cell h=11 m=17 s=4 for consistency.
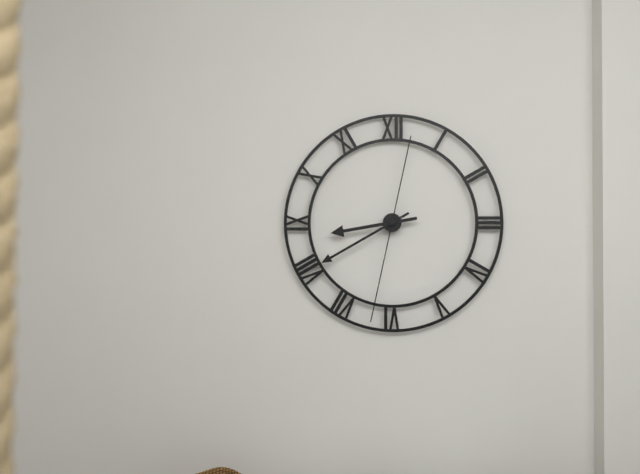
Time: h=8 m=40 s=32
